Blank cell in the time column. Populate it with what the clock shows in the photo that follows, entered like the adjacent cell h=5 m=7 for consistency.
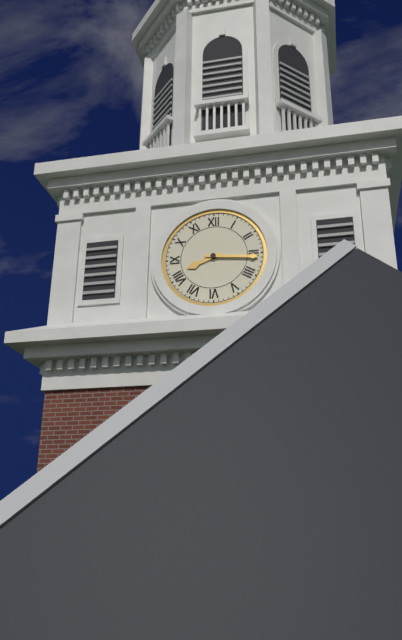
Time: h=8 m=16
